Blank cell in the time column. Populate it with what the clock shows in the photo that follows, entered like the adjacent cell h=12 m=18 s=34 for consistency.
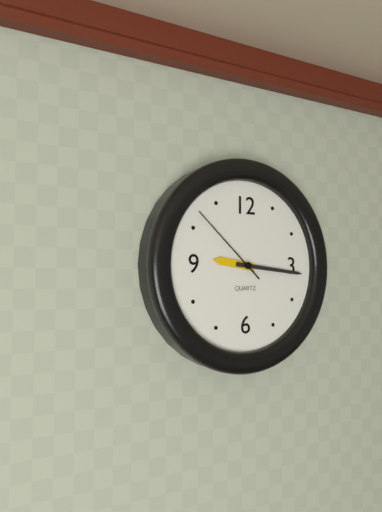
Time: h=9 m=16 s=52
